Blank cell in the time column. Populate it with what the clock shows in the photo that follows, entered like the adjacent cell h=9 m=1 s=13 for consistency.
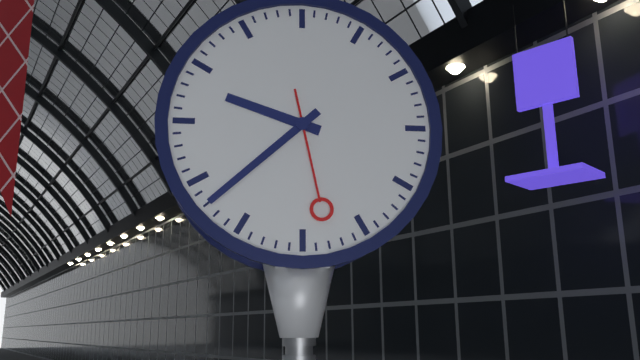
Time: h=9 m=38 s=28
